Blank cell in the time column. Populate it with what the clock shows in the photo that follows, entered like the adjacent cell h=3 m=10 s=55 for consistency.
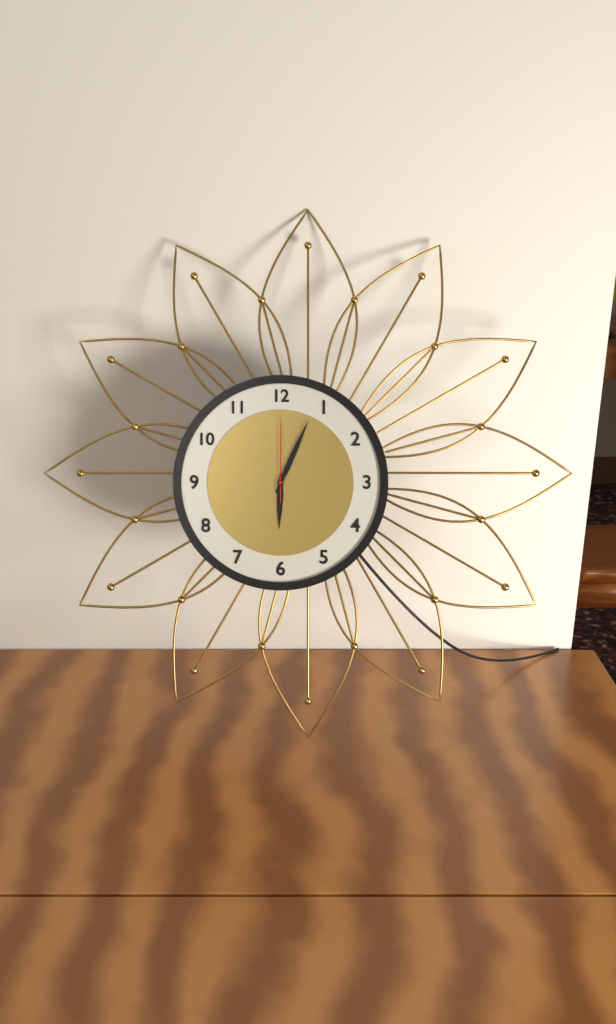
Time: h=6 m=4 s=0
